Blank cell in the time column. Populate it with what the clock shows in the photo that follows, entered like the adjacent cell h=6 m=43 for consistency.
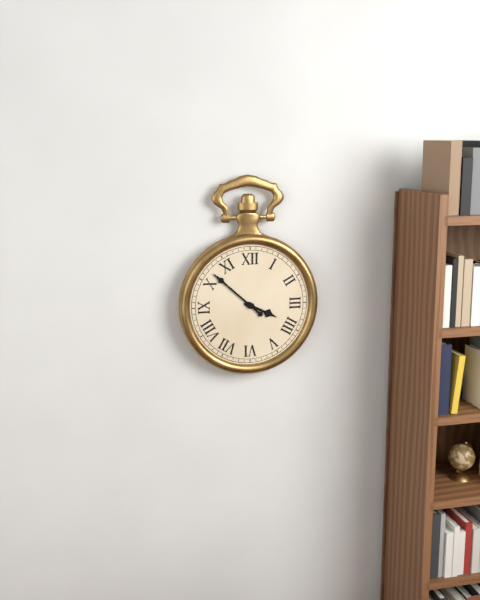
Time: h=3 m=52
